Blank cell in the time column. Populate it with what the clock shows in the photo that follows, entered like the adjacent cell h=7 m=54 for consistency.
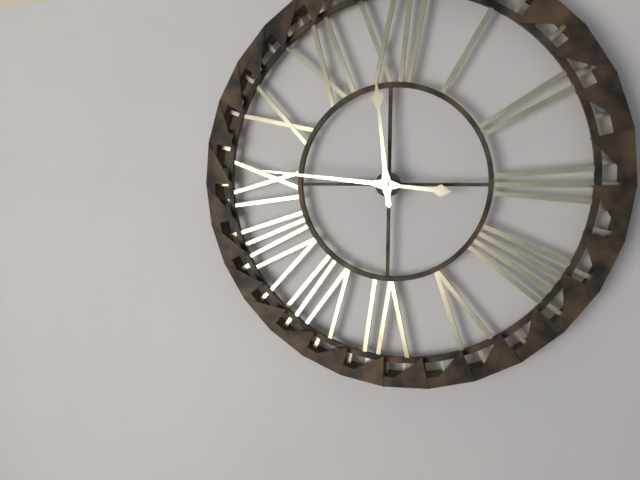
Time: h=11 m=46
